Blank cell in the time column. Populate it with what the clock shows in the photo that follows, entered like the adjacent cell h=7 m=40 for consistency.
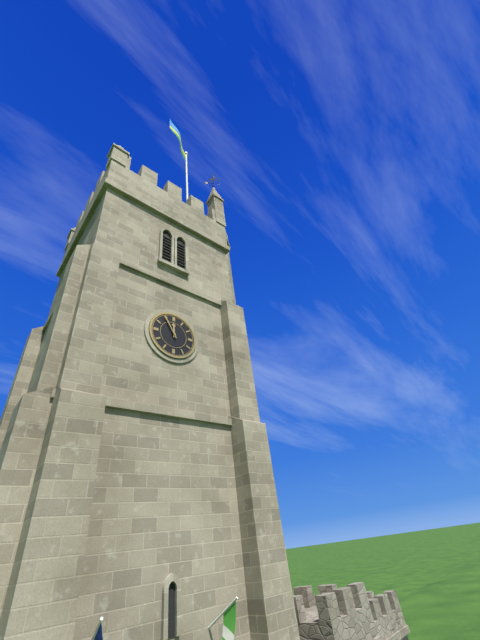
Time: h=11 m=55
